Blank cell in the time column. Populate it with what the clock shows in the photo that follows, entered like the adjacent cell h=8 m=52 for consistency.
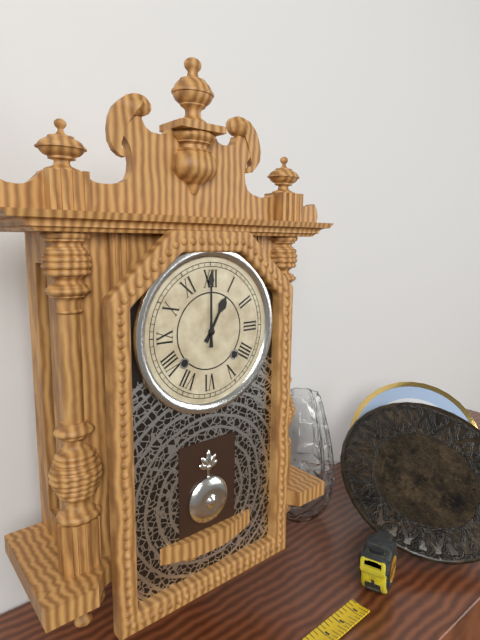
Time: h=1 m=0
